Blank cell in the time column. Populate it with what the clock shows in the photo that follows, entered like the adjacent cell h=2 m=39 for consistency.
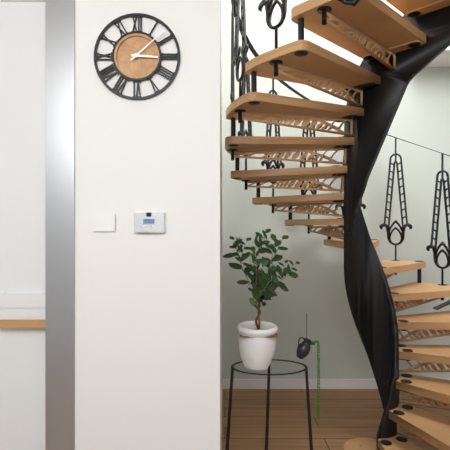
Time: h=3 m=8
